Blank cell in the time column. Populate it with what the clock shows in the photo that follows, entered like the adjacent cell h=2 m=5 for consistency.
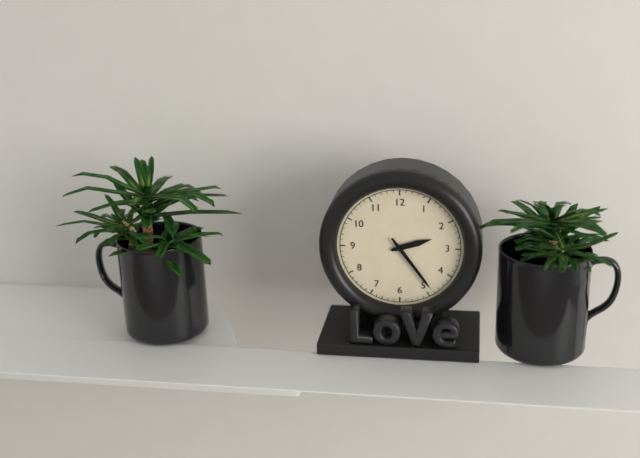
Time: h=2 m=24
